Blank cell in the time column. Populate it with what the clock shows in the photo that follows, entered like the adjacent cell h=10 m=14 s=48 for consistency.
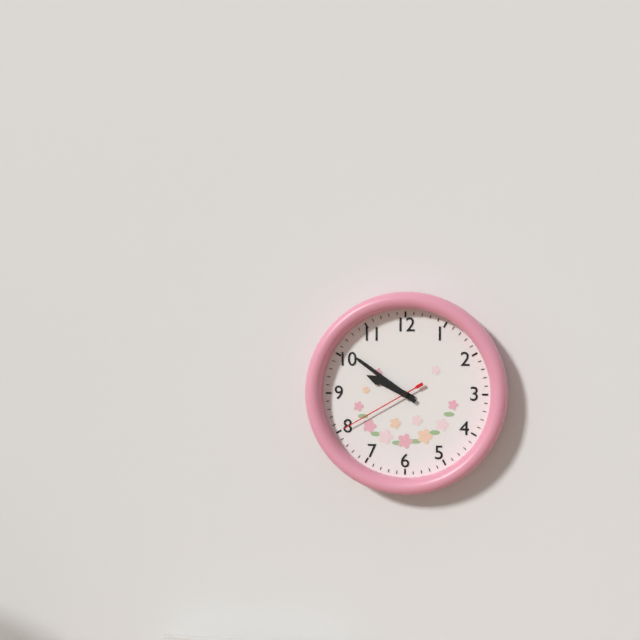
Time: h=9 m=51 s=40
